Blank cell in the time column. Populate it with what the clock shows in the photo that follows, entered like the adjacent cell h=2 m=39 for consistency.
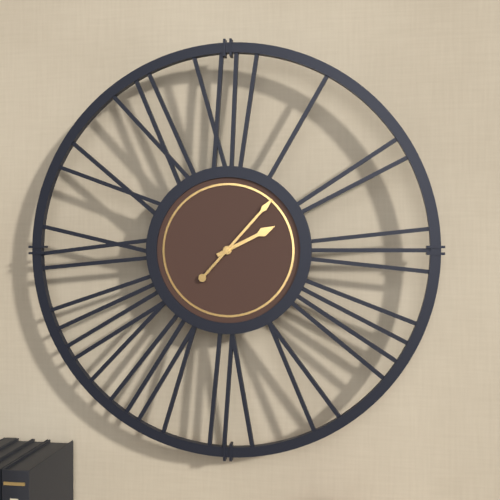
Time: h=2 m=7
